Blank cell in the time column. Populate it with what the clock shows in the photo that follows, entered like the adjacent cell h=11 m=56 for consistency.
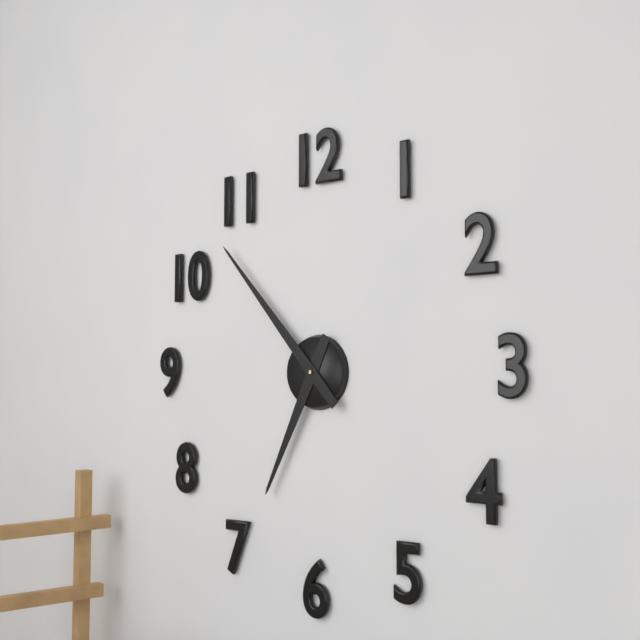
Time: h=6 m=53
